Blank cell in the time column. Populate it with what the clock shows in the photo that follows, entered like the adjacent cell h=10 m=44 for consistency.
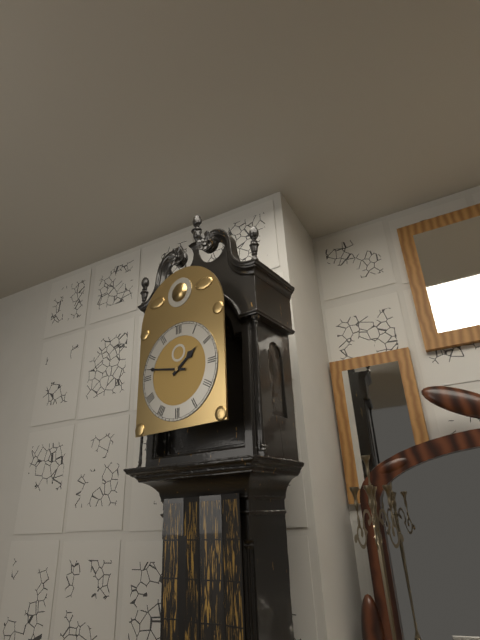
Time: h=1 m=47
